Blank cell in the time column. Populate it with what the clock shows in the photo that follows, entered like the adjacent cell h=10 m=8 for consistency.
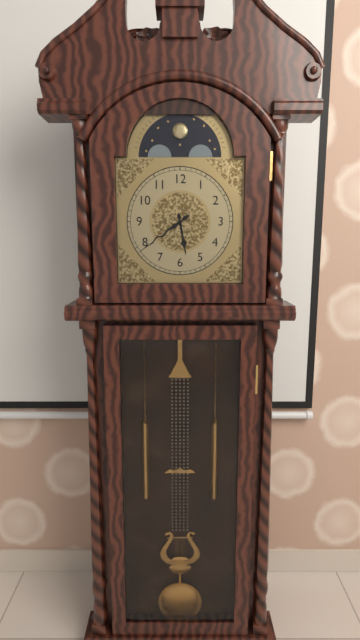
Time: h=5 m=39
